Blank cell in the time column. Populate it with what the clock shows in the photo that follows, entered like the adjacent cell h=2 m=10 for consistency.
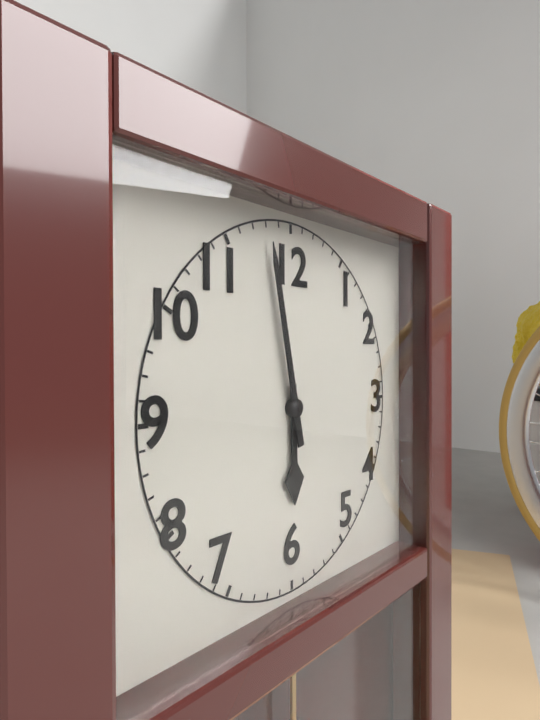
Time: h=5 m=58
